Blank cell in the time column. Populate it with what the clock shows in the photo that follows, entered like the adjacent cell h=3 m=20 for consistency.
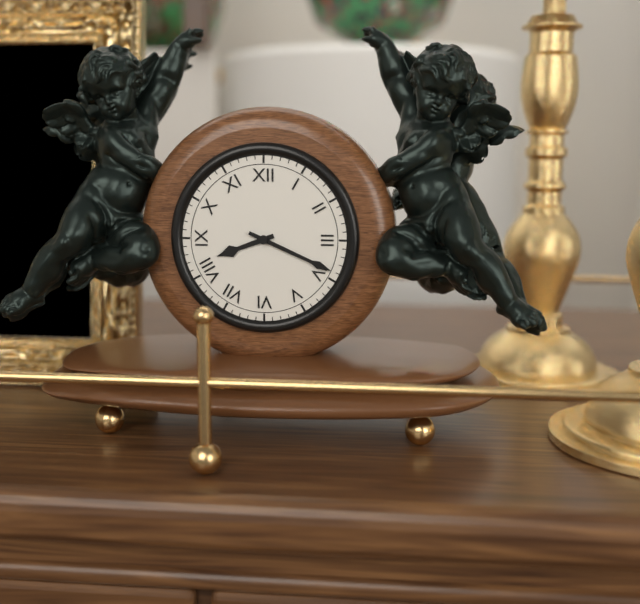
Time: h=8 m=19
